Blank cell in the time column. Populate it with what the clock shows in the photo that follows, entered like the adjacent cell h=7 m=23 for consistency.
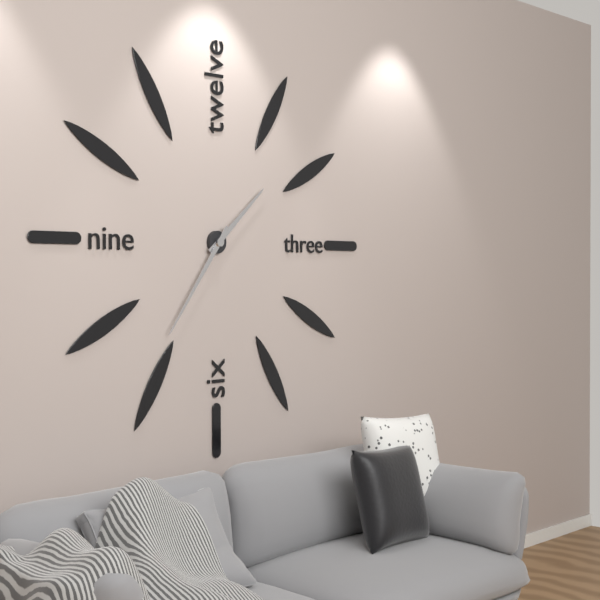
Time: h=1 m=36
